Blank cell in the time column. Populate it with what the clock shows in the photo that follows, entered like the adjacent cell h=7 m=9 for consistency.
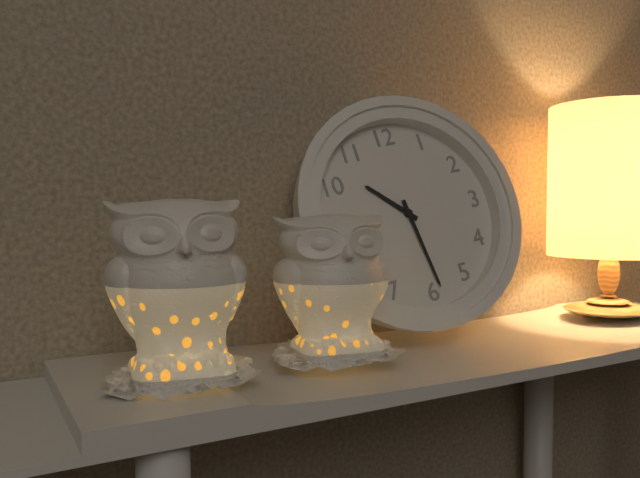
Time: h=10 m=29
